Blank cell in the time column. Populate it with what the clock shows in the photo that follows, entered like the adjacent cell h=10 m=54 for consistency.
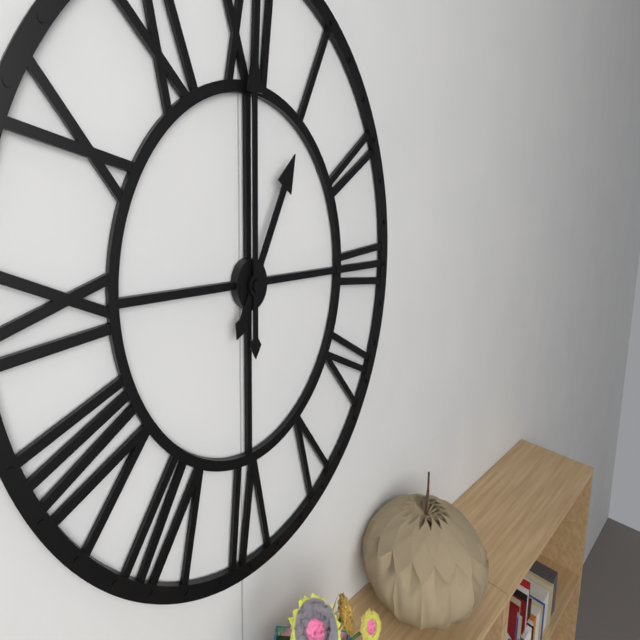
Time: h=1 m=0
